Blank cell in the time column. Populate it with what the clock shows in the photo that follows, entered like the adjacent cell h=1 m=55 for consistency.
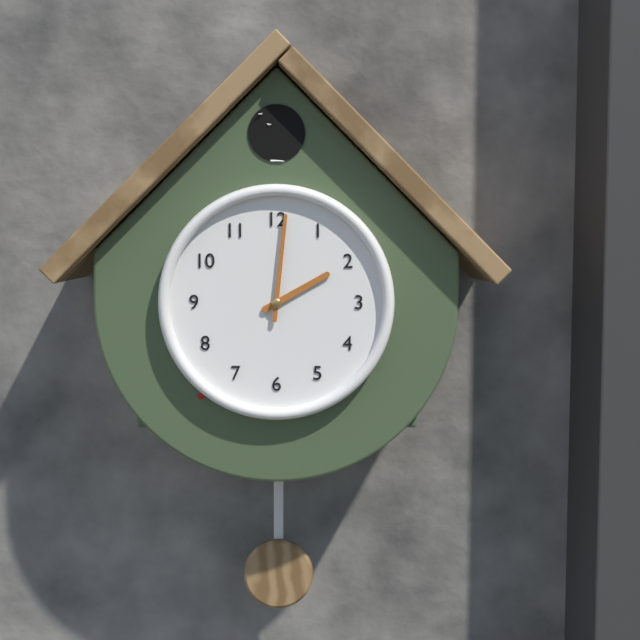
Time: h=2 m=1
